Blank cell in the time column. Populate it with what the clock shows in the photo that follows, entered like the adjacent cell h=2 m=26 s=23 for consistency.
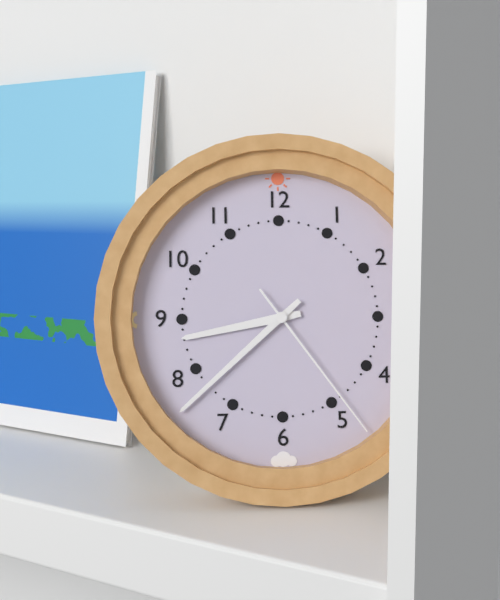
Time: h=8 m=38 s=24
